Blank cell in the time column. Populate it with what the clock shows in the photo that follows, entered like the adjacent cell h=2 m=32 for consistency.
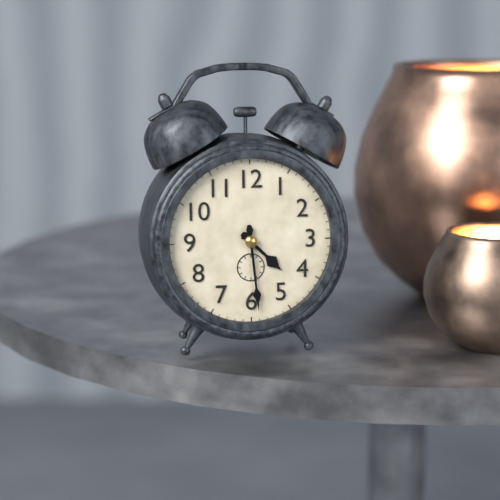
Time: h=4 m=29
